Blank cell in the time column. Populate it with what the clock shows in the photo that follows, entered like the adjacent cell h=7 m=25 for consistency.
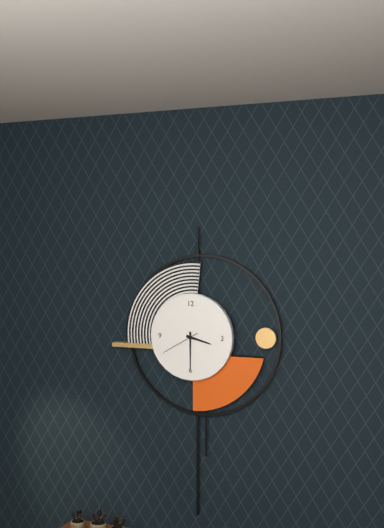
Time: h=3 m=30
